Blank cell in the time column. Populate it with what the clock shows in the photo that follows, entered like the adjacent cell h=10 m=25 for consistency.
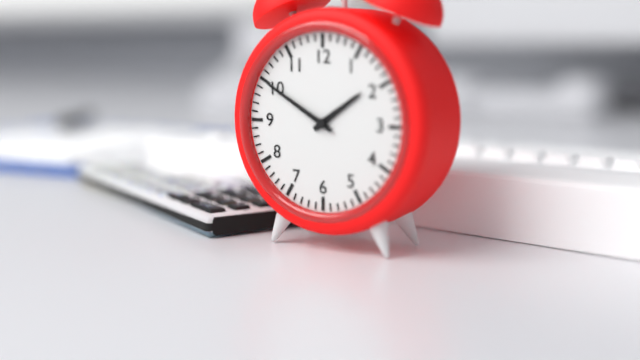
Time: h=1 m=50
